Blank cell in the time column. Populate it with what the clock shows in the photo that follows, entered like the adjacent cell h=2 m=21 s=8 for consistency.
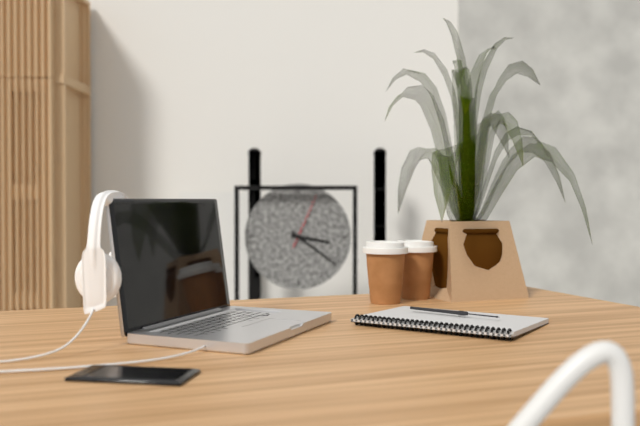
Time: h=3 m=21 s=4
